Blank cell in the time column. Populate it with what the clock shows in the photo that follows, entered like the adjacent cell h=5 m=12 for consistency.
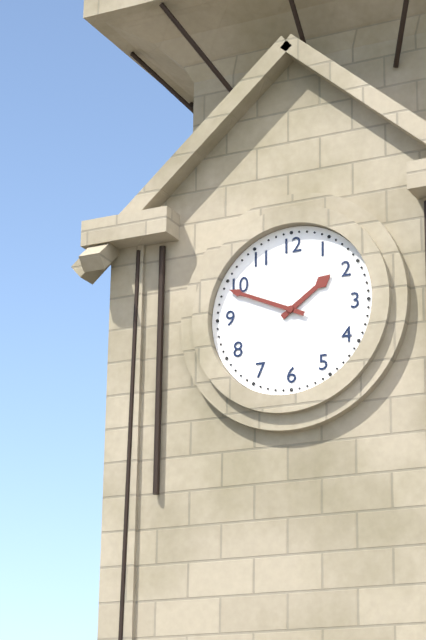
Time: h=1 m=49
